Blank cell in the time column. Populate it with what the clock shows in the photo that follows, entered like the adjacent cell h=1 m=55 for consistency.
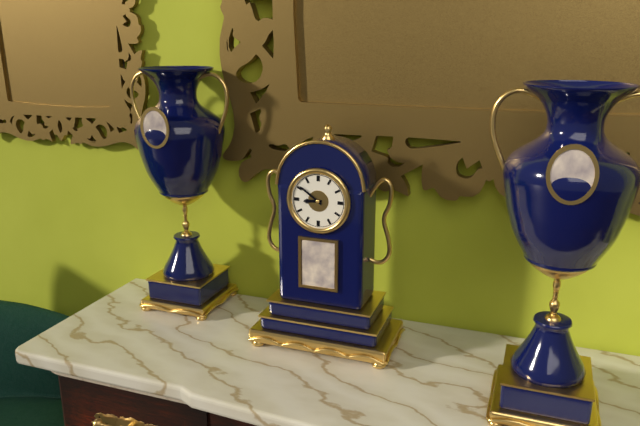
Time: h=8 m=51
